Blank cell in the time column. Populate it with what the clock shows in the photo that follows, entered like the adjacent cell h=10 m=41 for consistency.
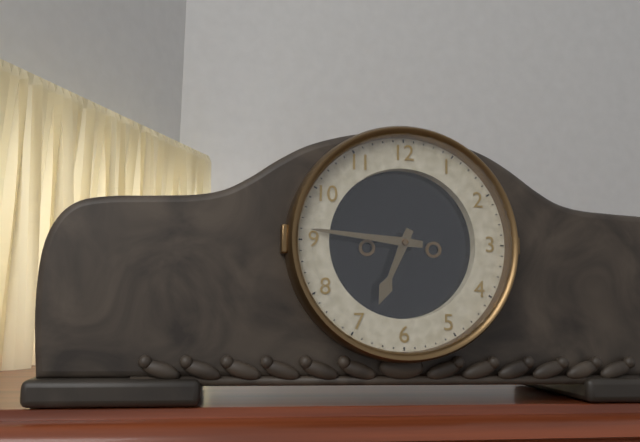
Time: h=6 m=46
